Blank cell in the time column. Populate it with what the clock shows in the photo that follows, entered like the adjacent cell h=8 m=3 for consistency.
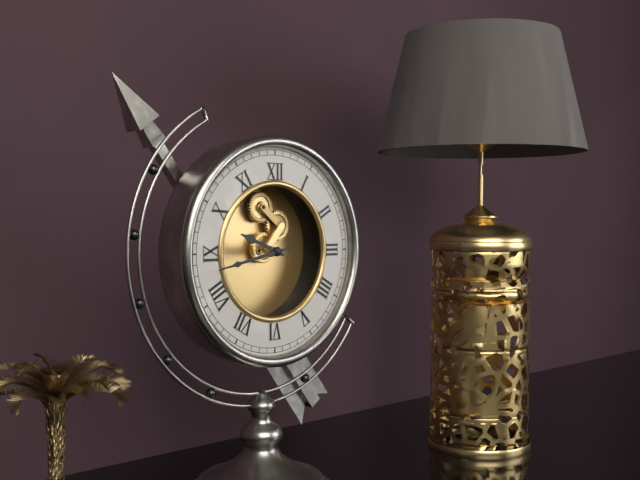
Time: h=9 m=43
